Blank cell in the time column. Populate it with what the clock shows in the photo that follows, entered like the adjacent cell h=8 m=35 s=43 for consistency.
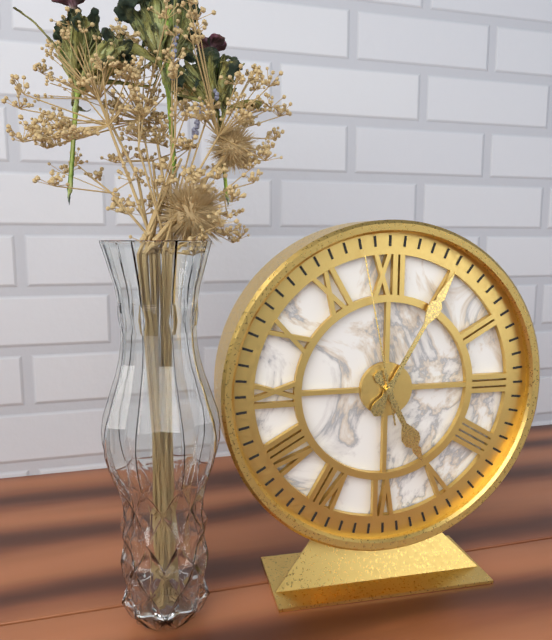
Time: h=5 m=5 s=58
